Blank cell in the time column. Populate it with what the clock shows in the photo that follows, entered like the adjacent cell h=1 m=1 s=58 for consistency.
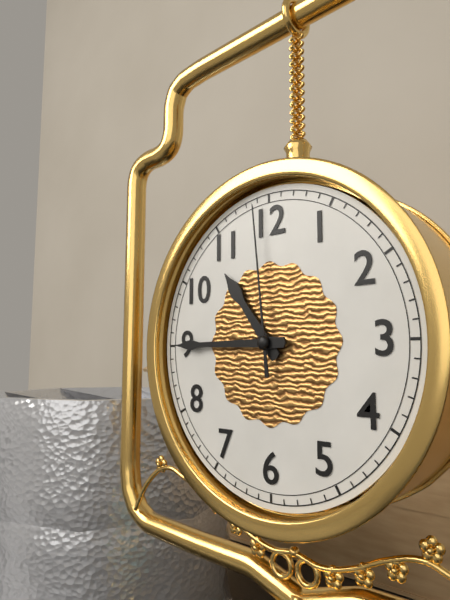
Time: h=10 m=45 s=59
